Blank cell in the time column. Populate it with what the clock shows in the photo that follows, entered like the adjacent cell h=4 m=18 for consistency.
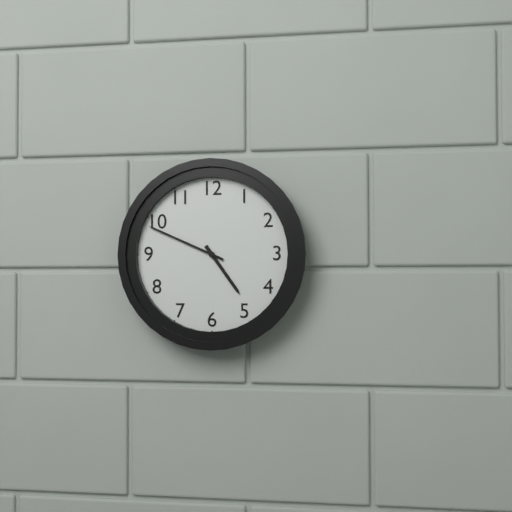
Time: h=4 m=49
